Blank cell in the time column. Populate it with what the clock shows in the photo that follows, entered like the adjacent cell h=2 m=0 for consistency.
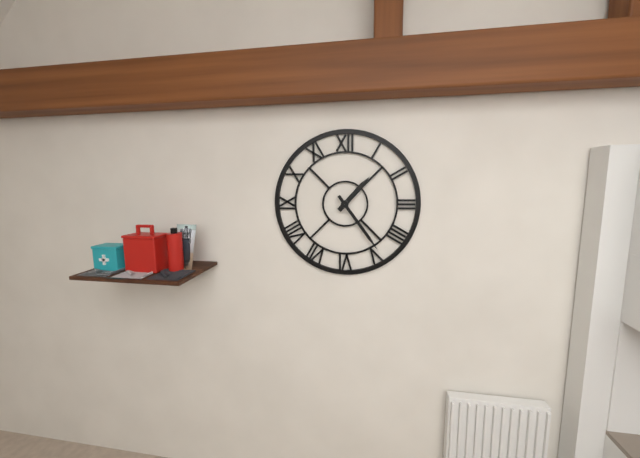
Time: h=1 m=24
